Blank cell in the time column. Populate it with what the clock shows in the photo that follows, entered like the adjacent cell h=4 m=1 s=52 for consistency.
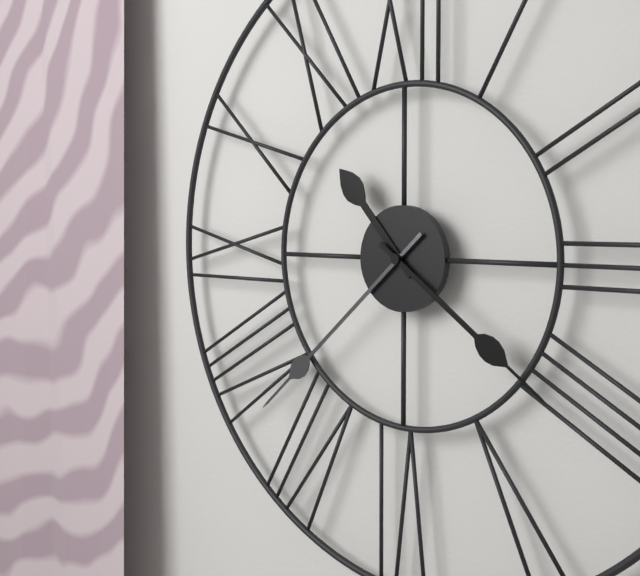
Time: h=10 m=38 s=21
